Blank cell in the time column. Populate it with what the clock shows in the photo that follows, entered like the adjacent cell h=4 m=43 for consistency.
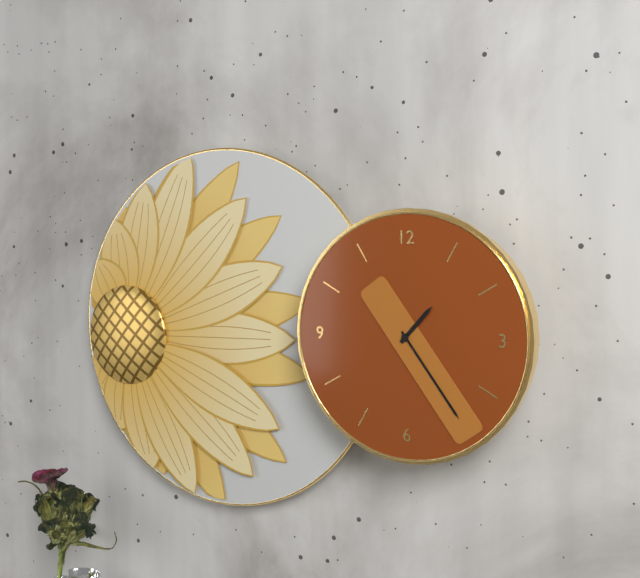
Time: h=1 m=24
